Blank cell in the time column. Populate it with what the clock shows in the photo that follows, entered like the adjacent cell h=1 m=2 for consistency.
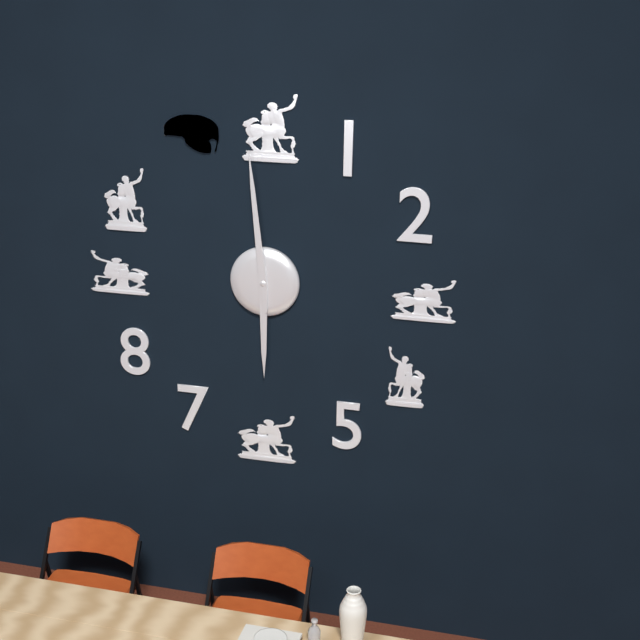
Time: h=5 m=59
